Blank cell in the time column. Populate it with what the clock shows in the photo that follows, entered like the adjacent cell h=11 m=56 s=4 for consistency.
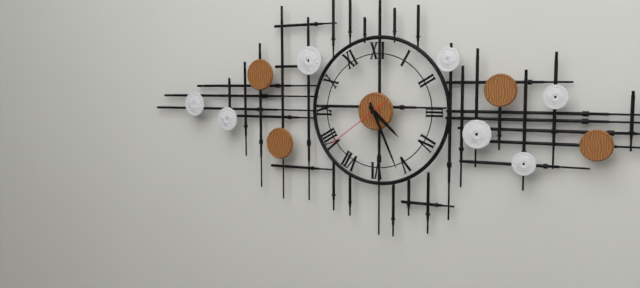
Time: h=4 m=26 s=39
